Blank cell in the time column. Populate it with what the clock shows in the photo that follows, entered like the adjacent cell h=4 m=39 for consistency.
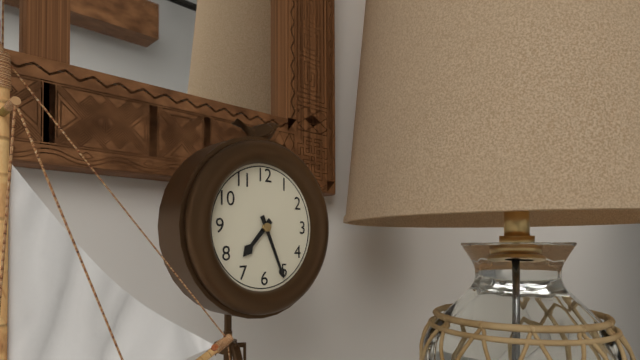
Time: h=7 m=26
